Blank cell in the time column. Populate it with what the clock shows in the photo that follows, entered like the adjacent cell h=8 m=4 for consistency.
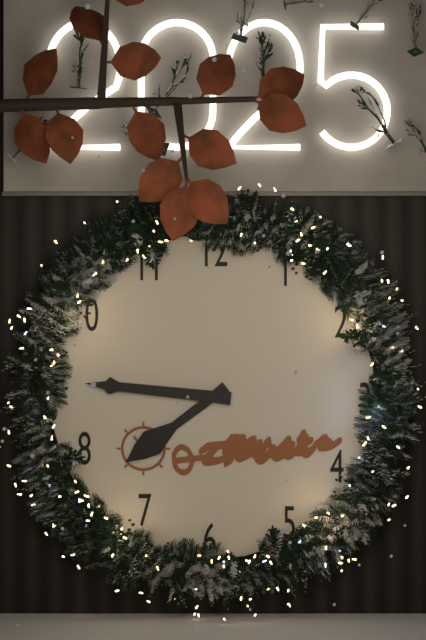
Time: h=7 m=46
